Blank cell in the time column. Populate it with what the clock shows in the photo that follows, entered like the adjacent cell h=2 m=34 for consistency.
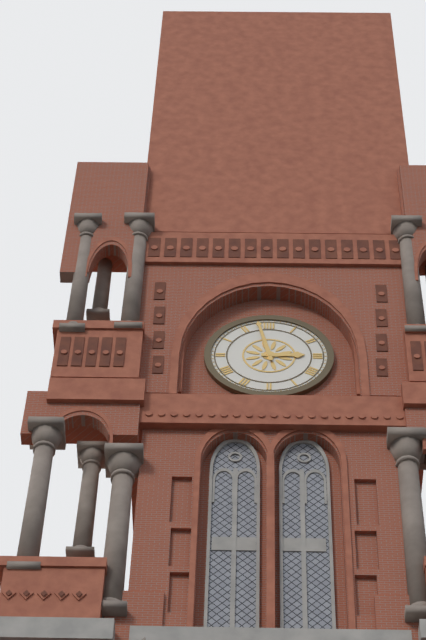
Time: h=2 m=58
